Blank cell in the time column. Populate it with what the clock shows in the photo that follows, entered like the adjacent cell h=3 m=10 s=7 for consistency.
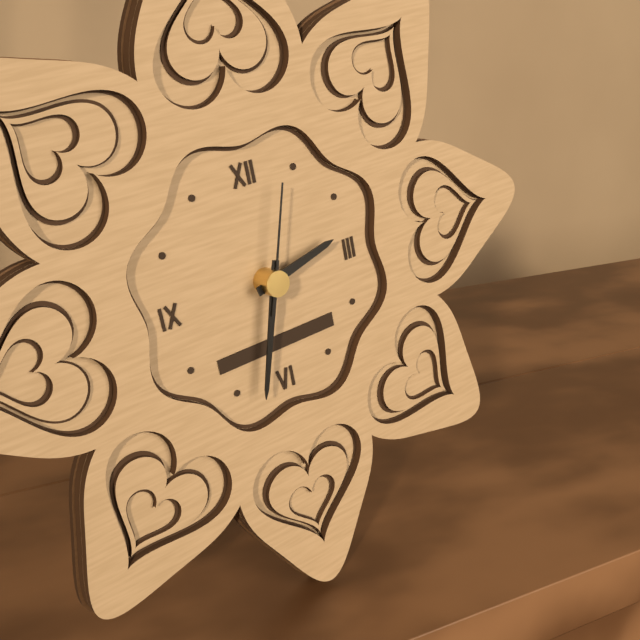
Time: h=2 m=33 s=3
